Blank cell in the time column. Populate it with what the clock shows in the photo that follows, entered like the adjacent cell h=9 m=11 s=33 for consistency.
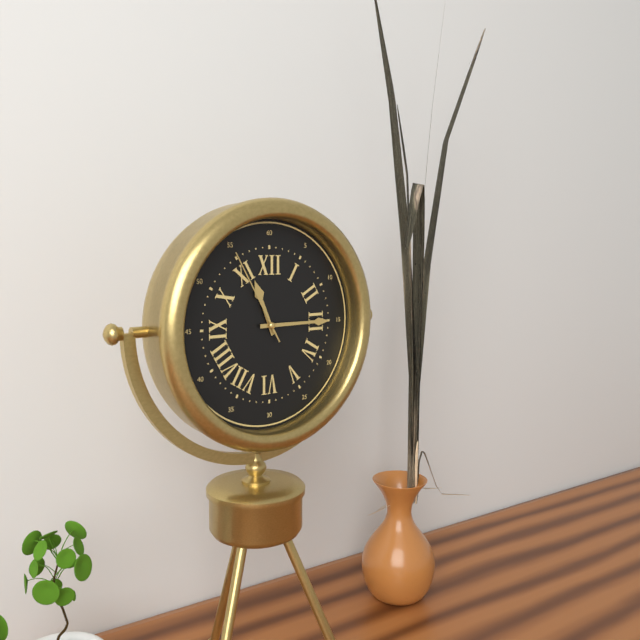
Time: h=11 m=15 s=55
